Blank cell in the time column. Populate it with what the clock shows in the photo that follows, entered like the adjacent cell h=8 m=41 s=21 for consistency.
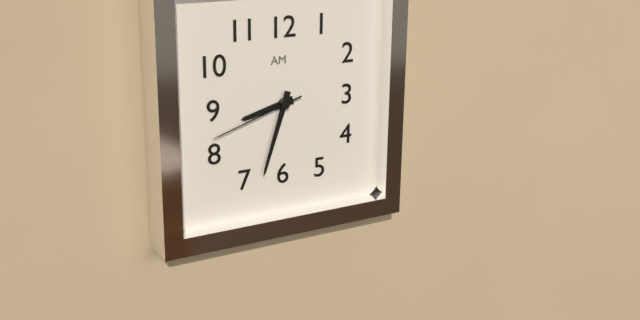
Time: h=8 m=33 s=42
